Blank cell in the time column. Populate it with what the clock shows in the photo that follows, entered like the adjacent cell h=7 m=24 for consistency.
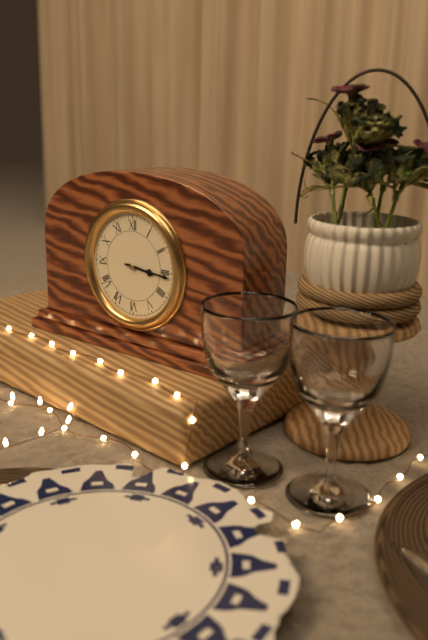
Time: h=3 m=16
